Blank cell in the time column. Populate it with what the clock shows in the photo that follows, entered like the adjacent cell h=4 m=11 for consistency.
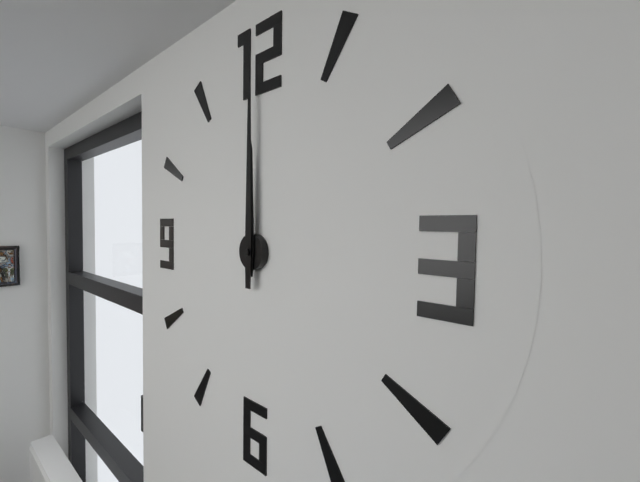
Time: h=12 m=0
